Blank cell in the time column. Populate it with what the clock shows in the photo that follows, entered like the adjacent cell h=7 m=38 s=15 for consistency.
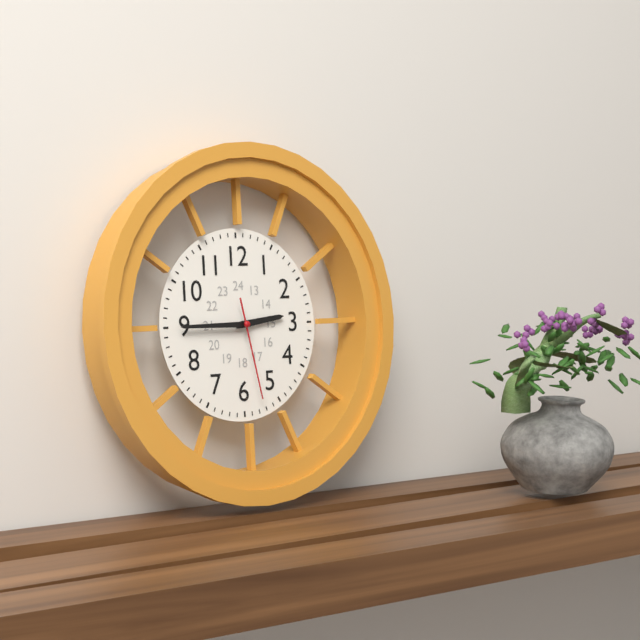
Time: h=2 m=45 s=28
